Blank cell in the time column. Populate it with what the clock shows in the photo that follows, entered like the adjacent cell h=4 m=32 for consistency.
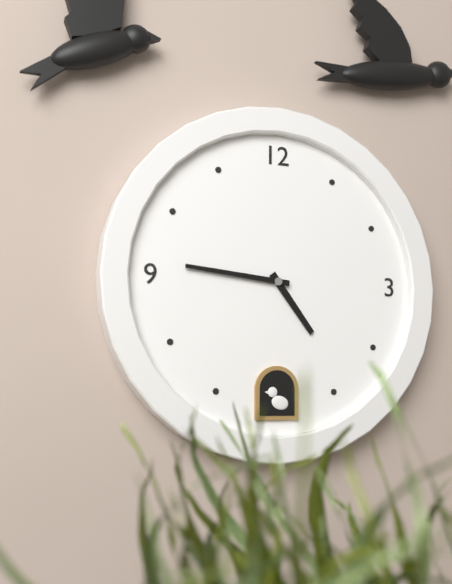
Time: h=4 m=46
